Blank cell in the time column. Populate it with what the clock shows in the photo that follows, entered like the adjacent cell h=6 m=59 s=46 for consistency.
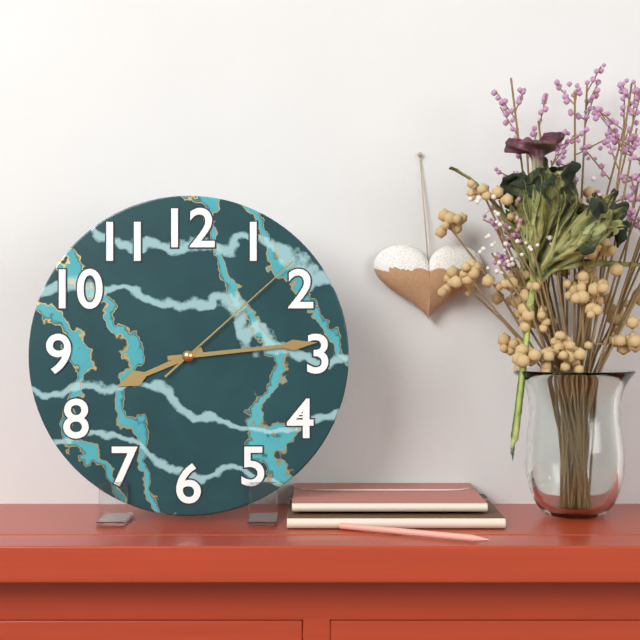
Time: h=8 m=14 s=8
